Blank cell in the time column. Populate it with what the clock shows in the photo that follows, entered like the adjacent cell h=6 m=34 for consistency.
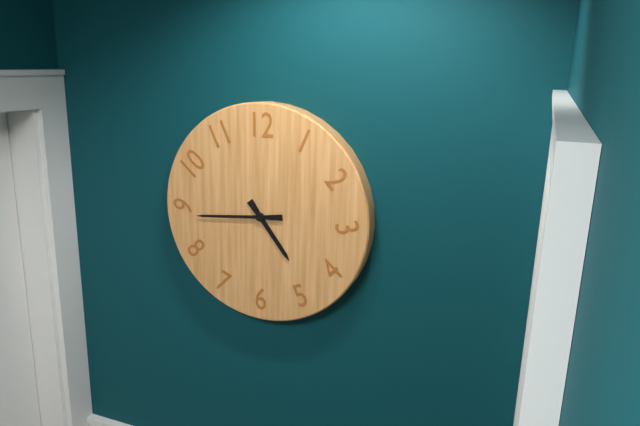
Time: h=4 m=44
